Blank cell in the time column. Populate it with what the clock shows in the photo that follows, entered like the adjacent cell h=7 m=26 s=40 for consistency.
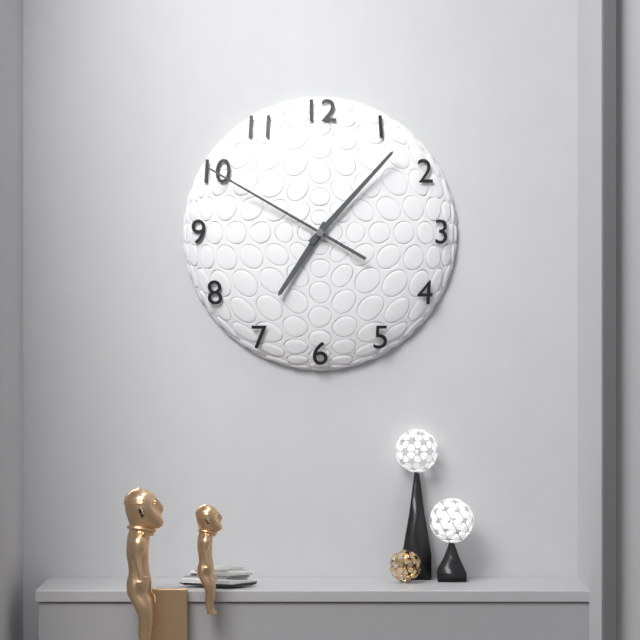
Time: h=7 m=7 s=50
